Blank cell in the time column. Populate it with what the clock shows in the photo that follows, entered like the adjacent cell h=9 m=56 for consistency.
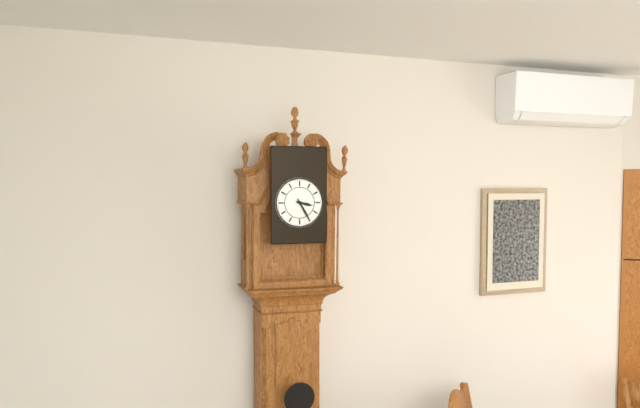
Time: h=3 m=25
